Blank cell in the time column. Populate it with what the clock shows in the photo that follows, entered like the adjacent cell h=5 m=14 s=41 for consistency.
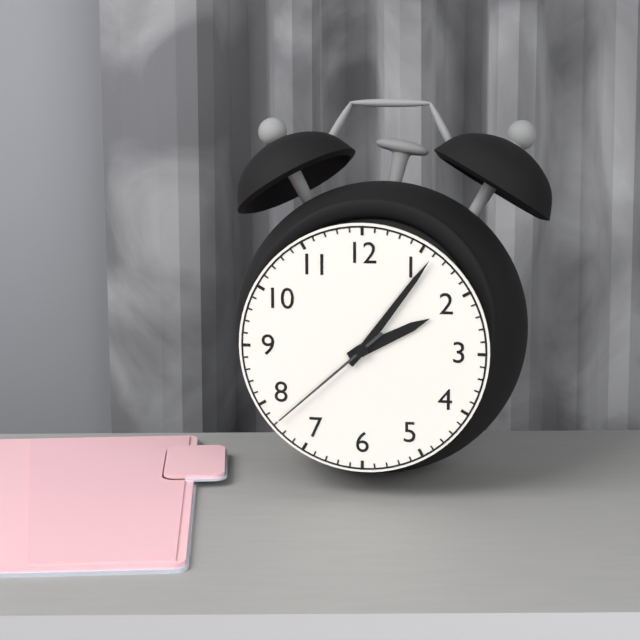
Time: h=2 m=6 s=38
